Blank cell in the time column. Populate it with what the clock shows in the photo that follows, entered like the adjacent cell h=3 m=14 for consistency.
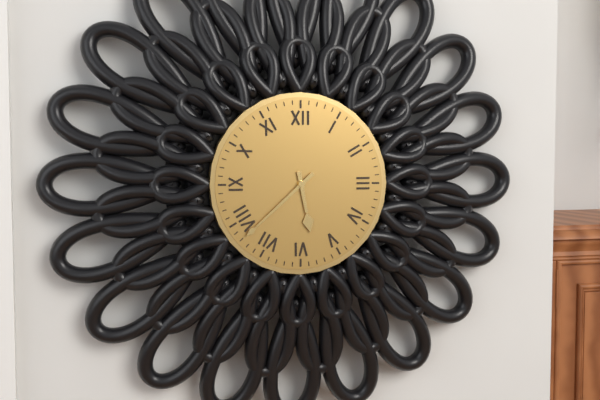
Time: h=5 m=38
